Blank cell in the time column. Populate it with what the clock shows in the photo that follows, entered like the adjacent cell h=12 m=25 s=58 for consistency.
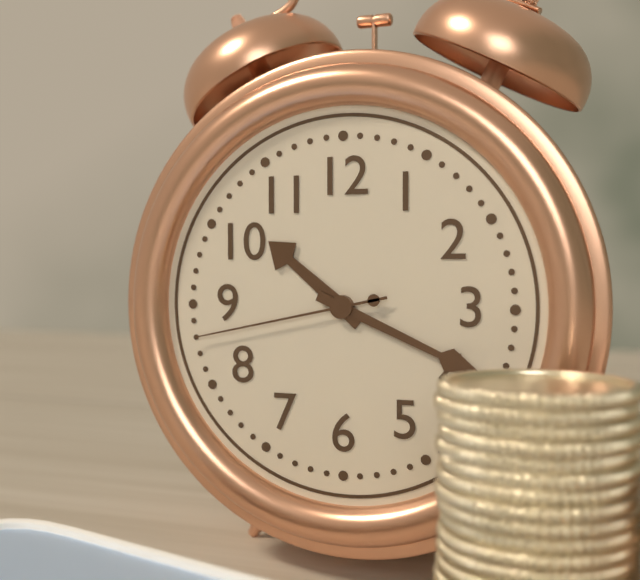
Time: h=10 m=19 s=43
